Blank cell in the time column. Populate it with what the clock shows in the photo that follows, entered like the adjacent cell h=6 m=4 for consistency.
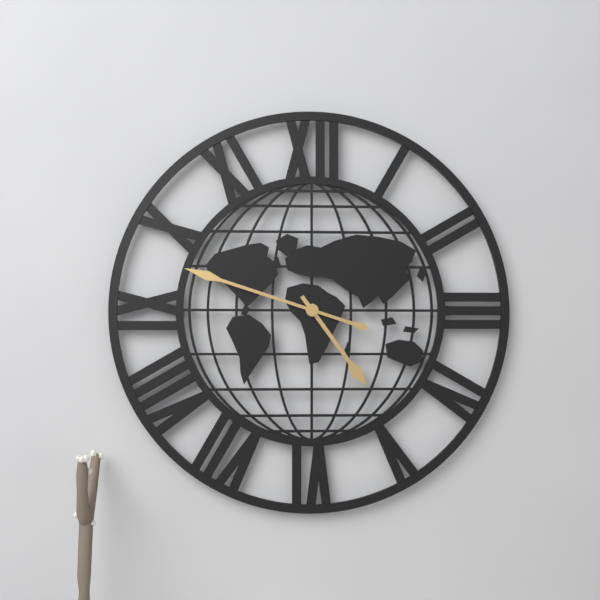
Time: h=4 m=48
